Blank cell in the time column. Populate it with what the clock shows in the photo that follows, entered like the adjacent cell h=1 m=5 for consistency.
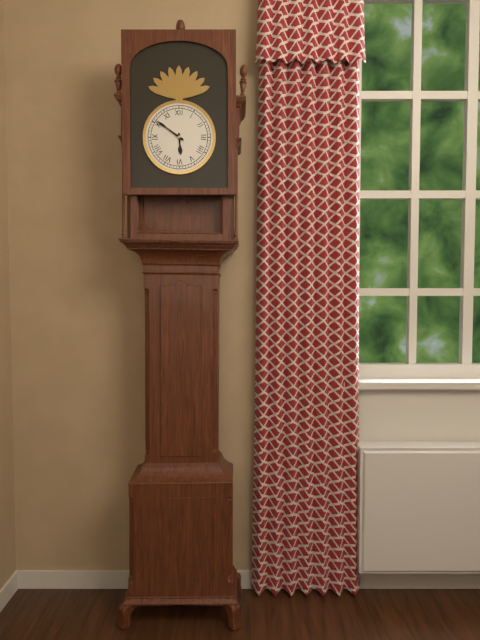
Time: h=5 m=51
